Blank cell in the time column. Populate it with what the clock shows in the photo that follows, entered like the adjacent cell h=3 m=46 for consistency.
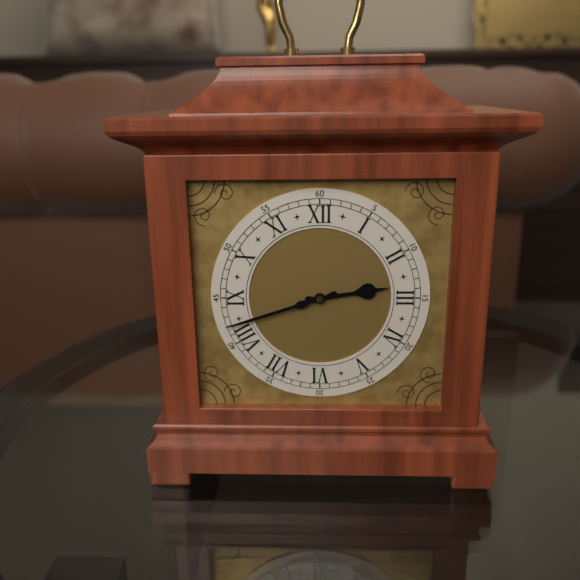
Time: h=2 m=42
